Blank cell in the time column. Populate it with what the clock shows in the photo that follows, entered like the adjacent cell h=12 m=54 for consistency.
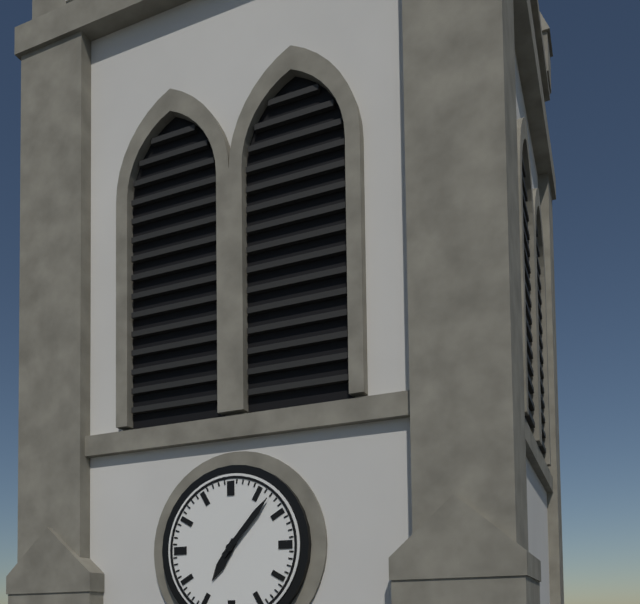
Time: h=7 m=7
